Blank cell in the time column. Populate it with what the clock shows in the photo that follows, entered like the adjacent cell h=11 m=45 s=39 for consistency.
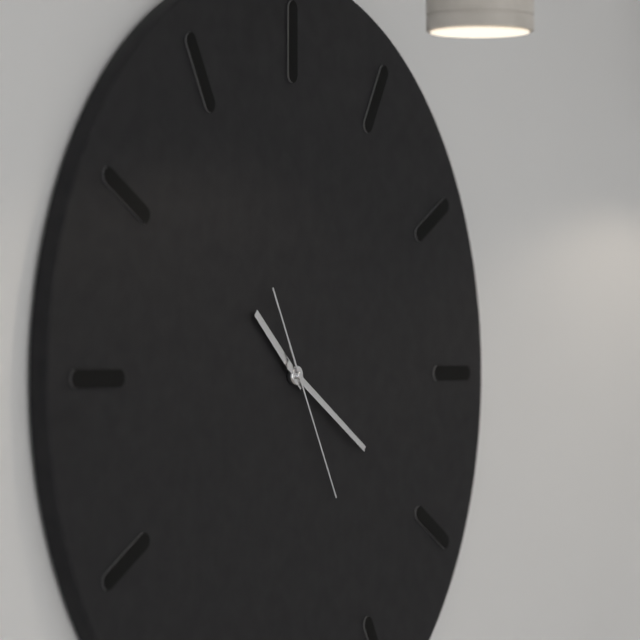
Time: h=10 m=20 s=25
